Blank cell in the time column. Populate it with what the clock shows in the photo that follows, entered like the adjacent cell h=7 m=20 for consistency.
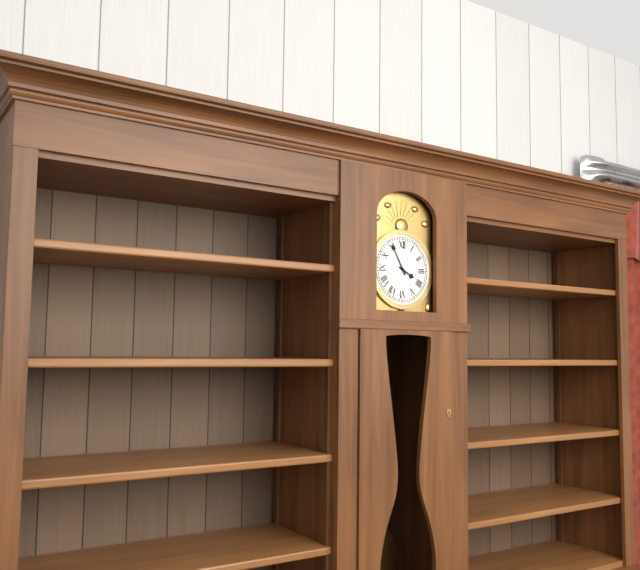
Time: h=3 m=55
